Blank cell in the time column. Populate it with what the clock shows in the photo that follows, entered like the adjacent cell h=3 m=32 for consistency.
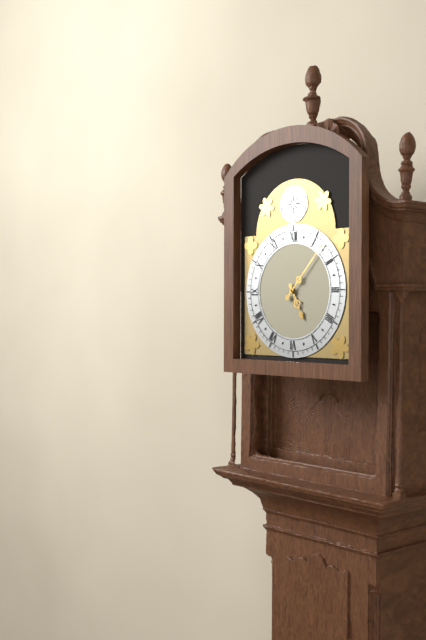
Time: h=5 m=7
